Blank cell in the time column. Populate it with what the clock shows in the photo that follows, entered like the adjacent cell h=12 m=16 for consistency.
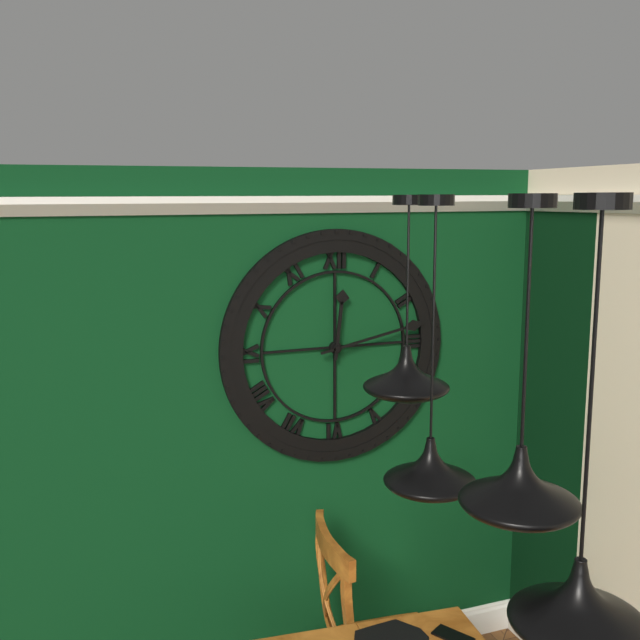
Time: h=12 m=13
